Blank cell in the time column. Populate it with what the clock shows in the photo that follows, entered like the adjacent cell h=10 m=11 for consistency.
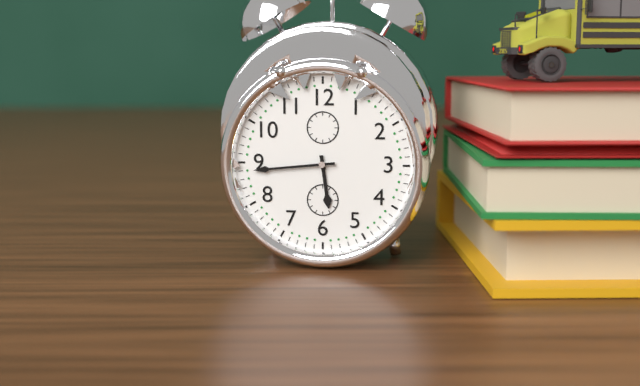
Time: h=5 m=44
